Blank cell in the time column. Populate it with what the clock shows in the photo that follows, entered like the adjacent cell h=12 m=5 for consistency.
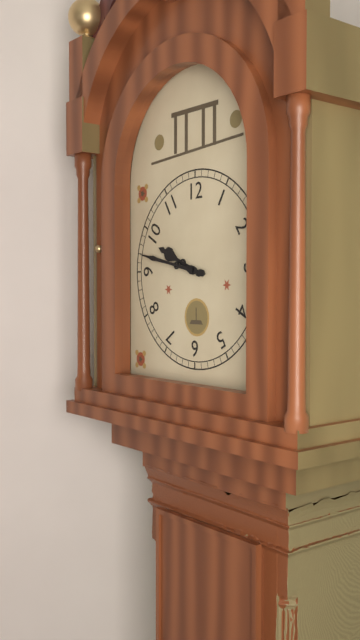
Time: h=9 m=47
